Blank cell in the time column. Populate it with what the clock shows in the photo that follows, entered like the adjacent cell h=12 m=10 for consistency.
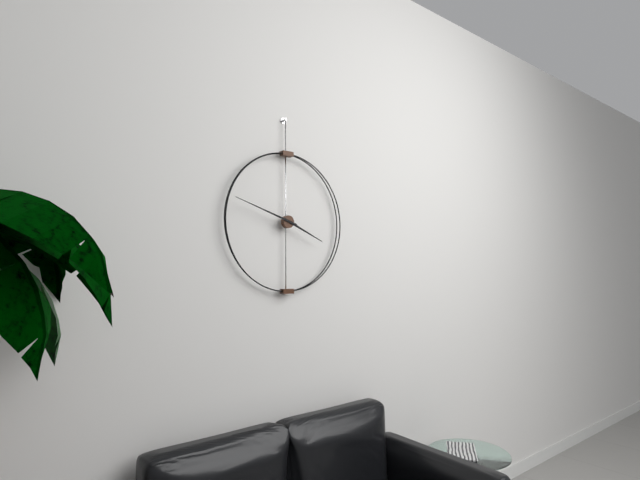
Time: h=3 m=48
